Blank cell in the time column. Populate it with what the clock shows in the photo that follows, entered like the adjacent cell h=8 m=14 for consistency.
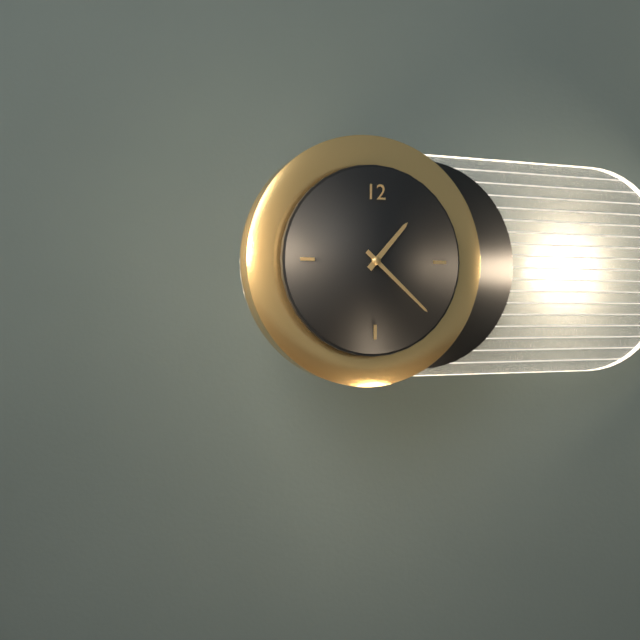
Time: h=1 m=22
